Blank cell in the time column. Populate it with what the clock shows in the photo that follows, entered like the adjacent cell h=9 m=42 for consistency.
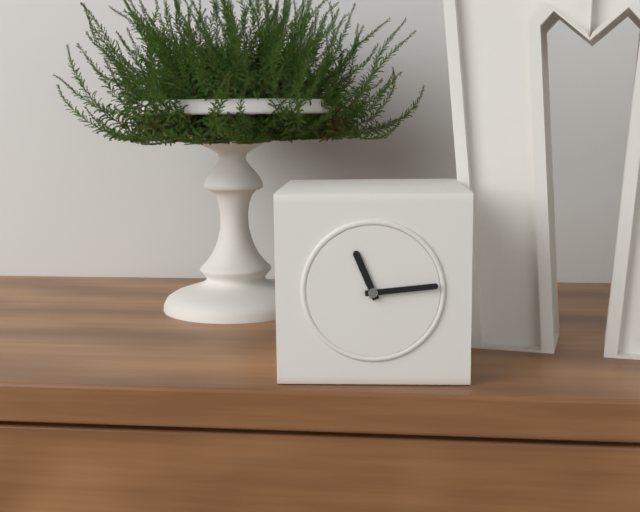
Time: h=11 m=14
